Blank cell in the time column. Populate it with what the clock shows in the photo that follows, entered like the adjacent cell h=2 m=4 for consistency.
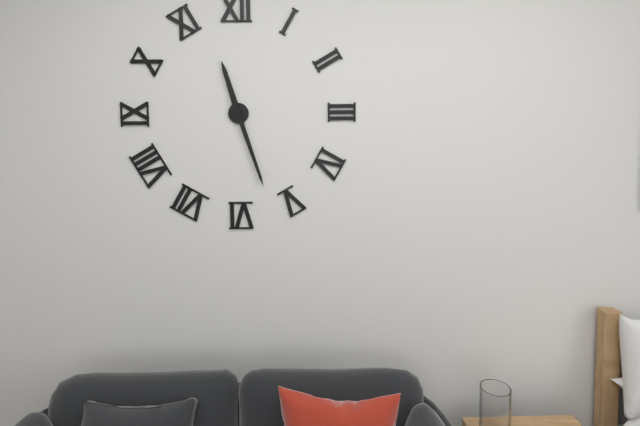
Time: h=11 m=27
